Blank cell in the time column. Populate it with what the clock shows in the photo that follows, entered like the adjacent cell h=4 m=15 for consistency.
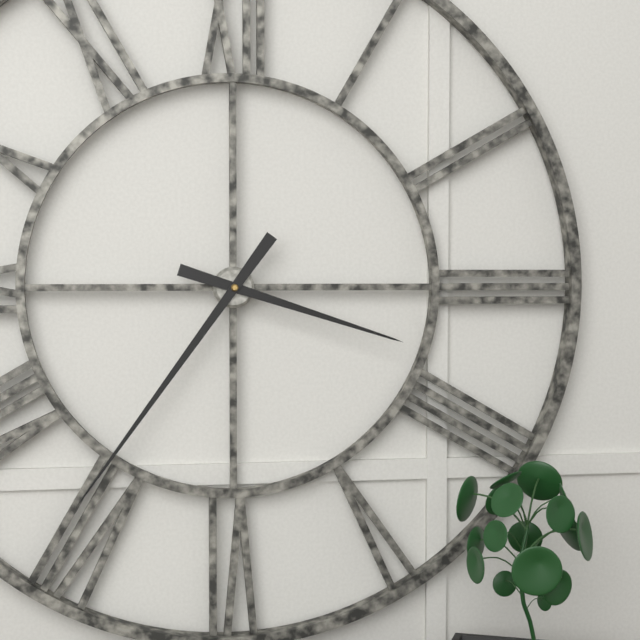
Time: h=3 m=36
